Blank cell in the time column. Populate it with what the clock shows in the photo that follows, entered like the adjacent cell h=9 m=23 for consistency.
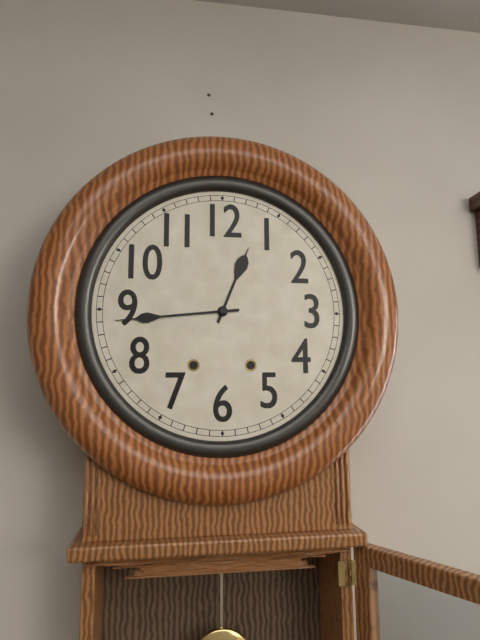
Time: h=12 m=44
